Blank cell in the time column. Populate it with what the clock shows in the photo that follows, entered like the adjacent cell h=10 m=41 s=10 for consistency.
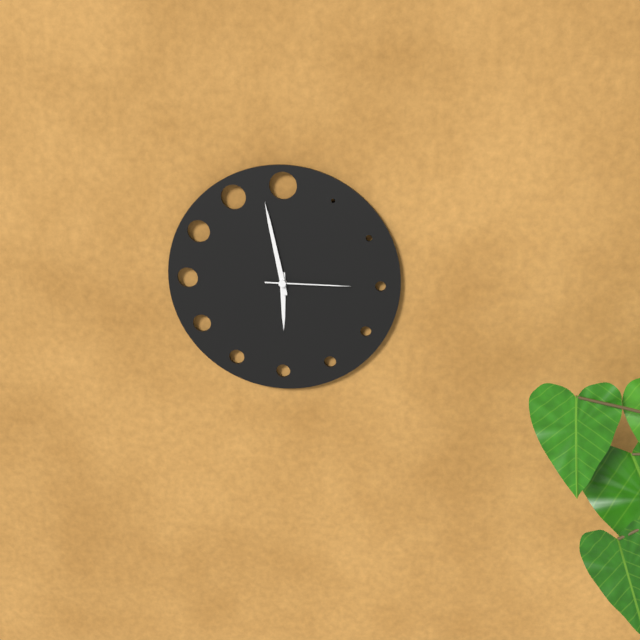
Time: h=5 m=58 s=15
